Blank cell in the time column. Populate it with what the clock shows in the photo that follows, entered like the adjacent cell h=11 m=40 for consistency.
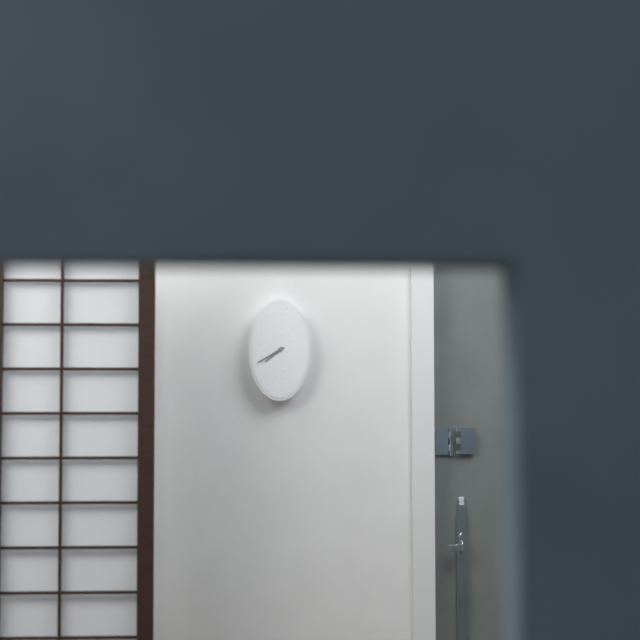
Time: h=7 m=40
